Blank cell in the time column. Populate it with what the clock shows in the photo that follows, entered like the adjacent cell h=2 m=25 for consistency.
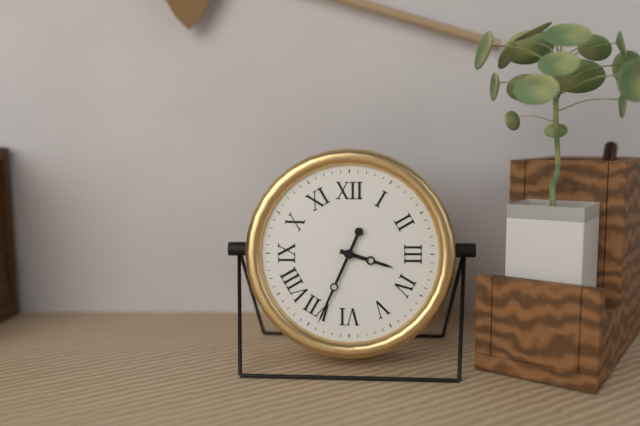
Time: h=3 m=34
